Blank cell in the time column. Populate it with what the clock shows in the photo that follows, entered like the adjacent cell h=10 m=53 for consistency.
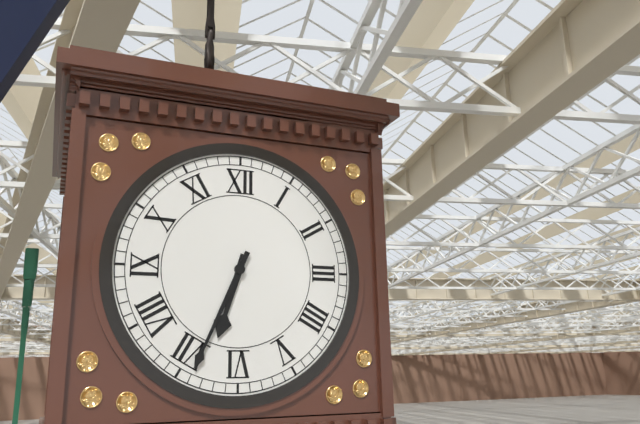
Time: h=6 m=34
